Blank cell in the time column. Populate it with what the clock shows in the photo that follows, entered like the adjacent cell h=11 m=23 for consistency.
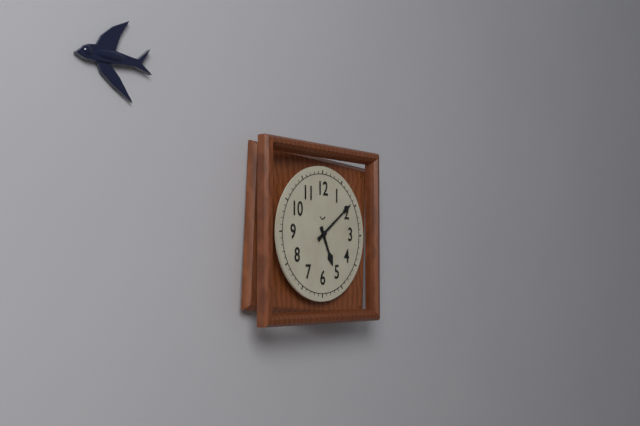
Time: h=5 m=9
